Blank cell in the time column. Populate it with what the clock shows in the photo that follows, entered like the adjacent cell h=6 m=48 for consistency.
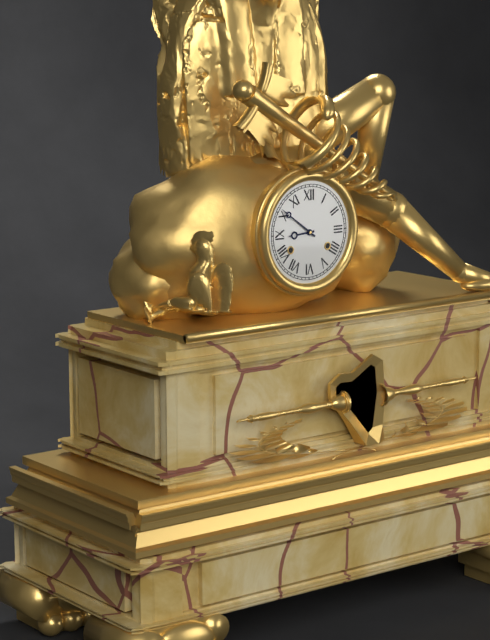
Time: h=8 m=51
